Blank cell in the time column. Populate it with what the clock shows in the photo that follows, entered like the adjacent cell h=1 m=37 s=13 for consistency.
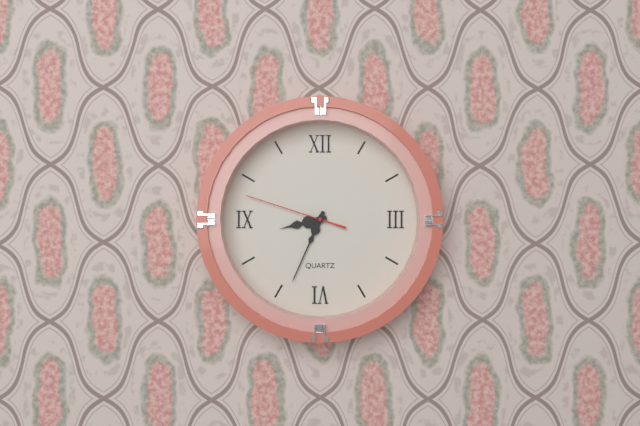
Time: h=8 m=34 s=48
